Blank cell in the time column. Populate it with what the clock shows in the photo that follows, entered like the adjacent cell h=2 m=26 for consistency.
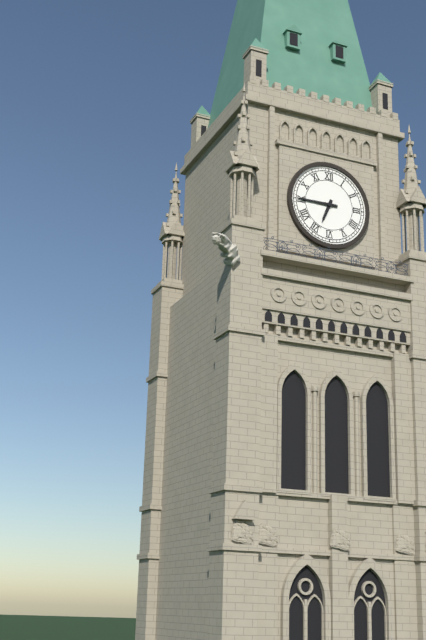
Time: h=6 m=45
